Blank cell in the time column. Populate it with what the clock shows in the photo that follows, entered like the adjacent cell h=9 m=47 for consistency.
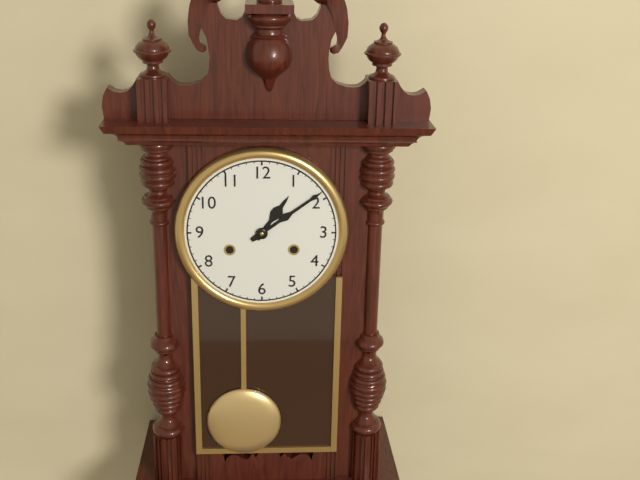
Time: h=1 m=9
